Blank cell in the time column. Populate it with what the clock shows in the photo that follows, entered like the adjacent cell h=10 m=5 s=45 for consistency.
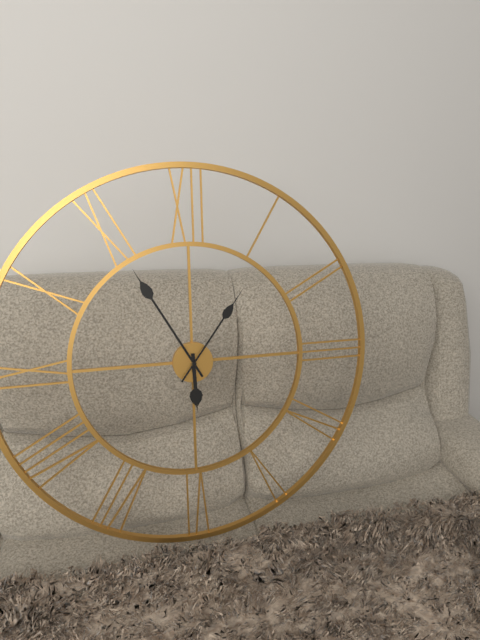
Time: h=5 m=55 s=6
